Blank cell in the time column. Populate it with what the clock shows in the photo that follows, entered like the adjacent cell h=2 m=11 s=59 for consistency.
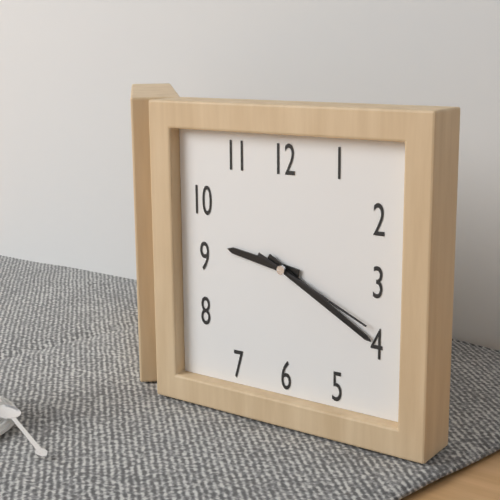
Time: h=9 m=20 s=19
